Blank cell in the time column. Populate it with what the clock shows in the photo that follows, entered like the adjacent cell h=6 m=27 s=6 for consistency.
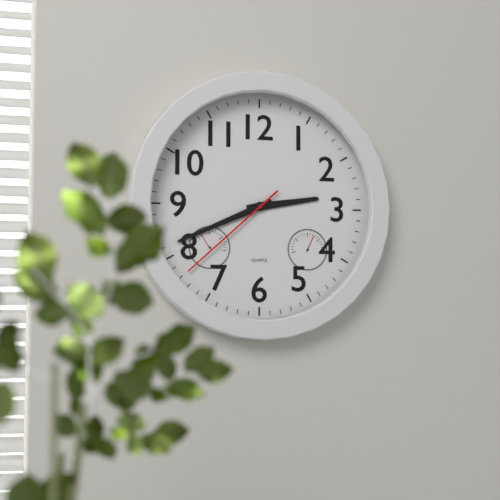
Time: h=2 m=41 s=38
